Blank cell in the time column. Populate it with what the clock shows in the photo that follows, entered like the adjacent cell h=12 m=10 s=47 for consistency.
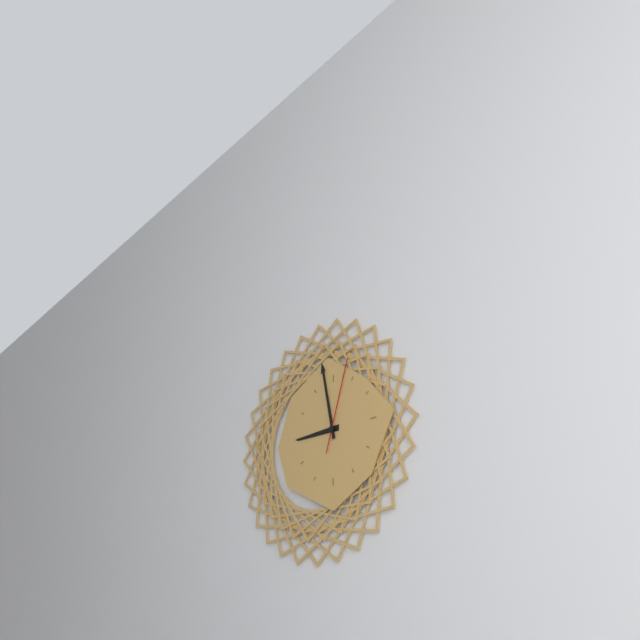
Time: h=8 m=58 s=3
